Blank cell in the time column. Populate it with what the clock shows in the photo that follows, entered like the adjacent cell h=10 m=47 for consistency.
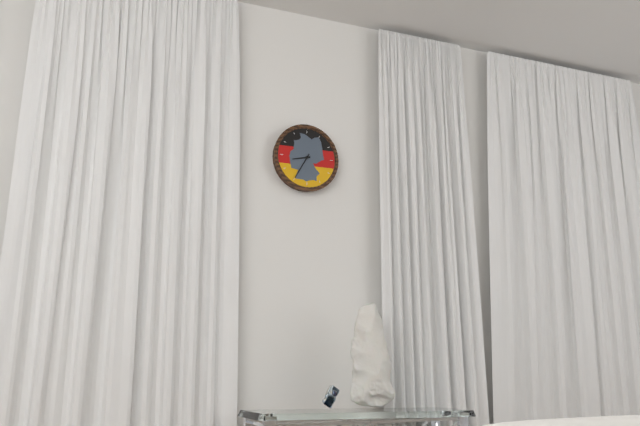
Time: h=8 m=35
